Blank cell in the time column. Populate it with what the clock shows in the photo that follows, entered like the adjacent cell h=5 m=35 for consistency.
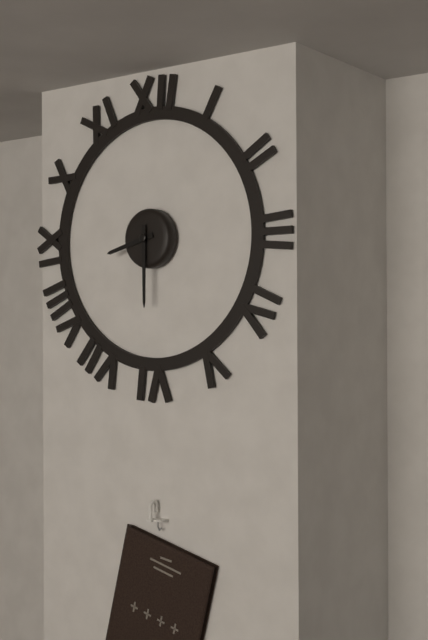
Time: h=8 m=30
